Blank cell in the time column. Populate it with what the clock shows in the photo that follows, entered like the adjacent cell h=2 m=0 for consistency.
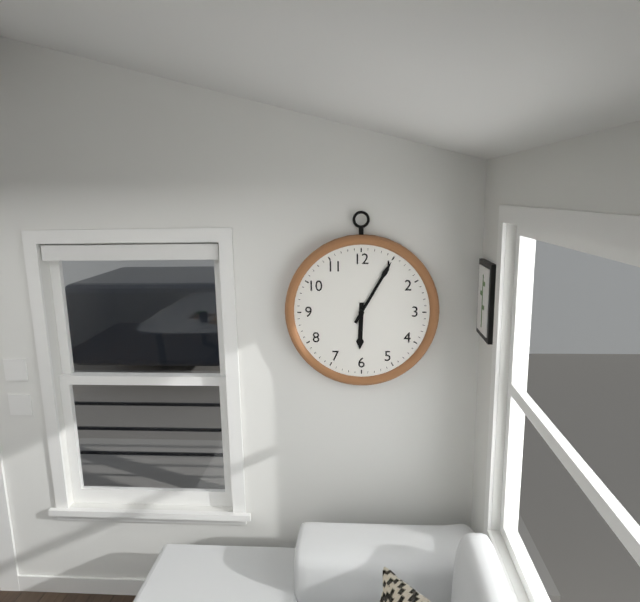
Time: h=6 m=5
